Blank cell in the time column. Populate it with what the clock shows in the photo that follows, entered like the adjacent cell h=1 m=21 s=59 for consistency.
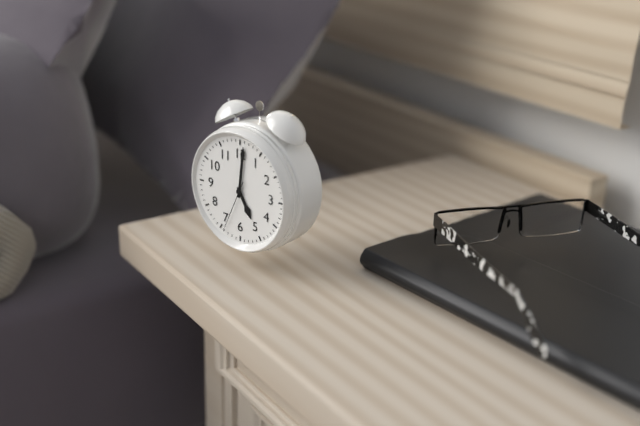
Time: h=5 m=1 s=34
